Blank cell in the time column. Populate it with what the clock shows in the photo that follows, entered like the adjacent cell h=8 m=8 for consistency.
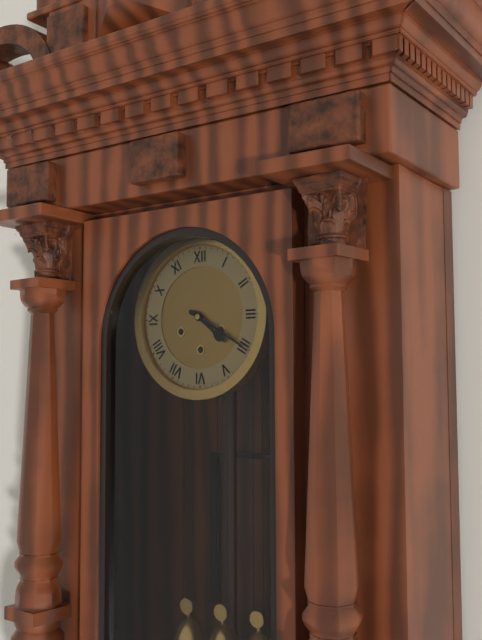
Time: h=4 m=20
